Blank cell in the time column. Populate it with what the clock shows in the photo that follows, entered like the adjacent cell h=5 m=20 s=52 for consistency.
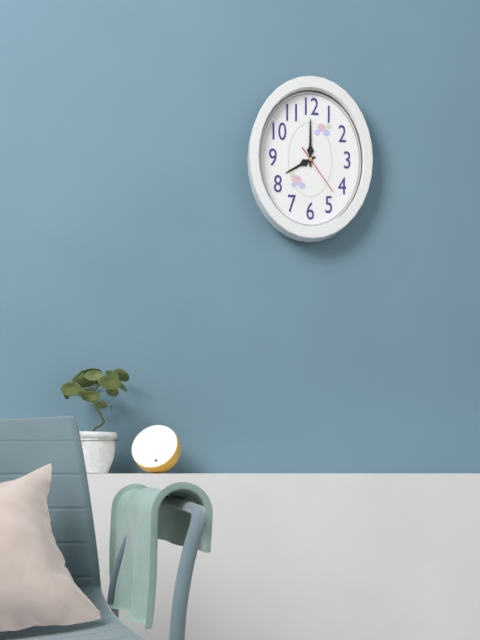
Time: h=8 m=0 s=24
